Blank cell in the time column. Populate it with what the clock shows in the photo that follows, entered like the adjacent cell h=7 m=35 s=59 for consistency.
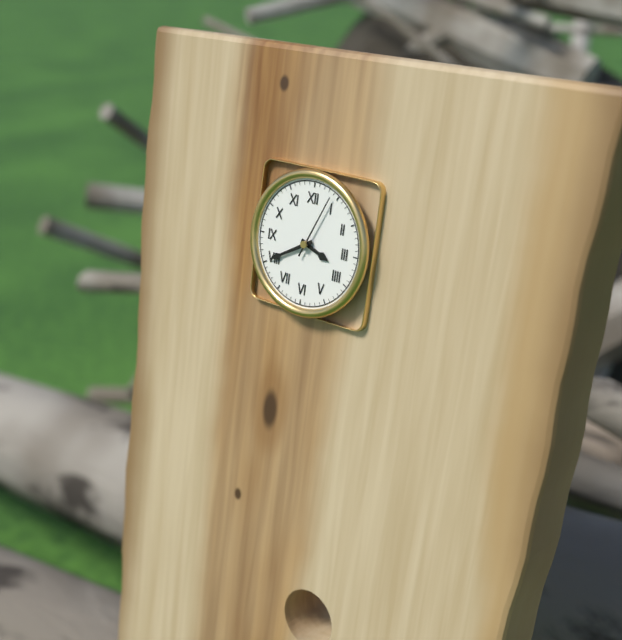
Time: h=3 m=40 s=4
